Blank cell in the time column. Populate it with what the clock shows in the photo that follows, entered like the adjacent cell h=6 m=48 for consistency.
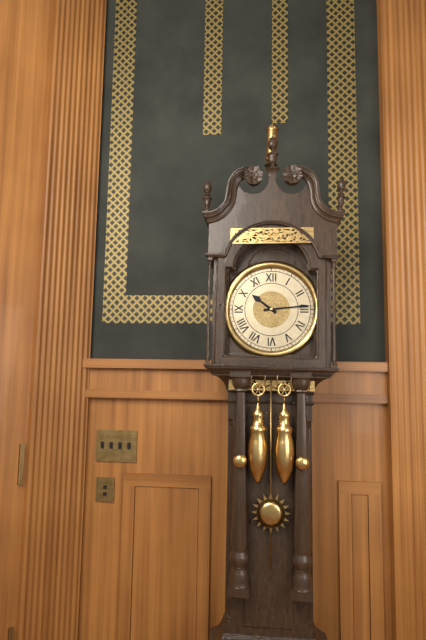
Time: h=10 m=14
